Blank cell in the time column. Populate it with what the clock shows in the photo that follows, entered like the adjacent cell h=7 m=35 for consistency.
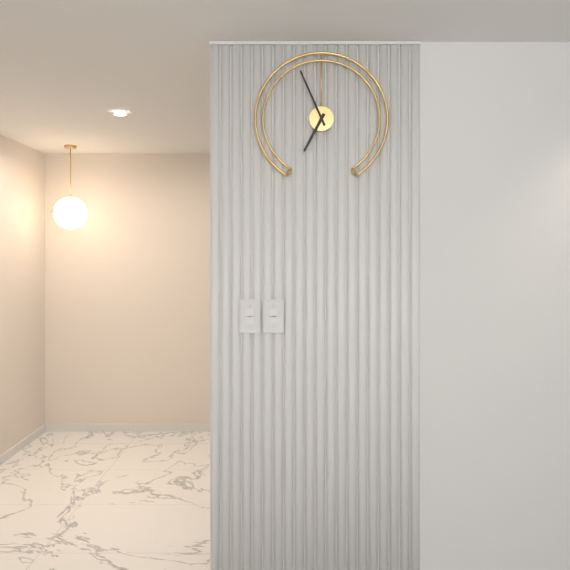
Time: h=6 m=56
